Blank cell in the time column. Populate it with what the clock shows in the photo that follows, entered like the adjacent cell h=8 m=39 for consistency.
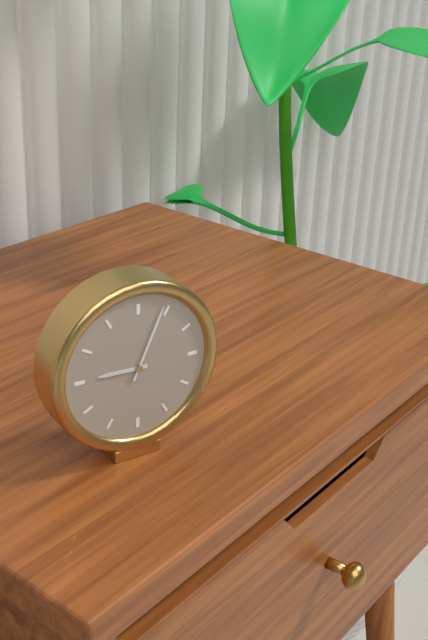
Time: h=9 m=4
